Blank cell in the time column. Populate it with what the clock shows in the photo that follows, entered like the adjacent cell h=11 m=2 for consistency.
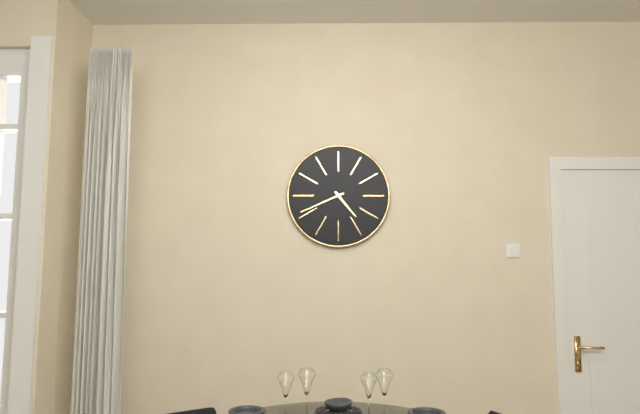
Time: h=4 m=41
